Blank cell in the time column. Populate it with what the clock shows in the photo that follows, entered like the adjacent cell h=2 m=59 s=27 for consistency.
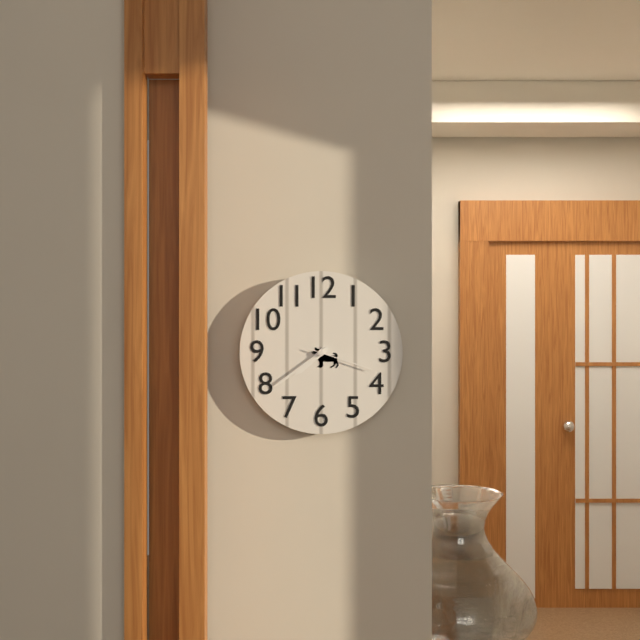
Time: h=7 m=39 s=18
